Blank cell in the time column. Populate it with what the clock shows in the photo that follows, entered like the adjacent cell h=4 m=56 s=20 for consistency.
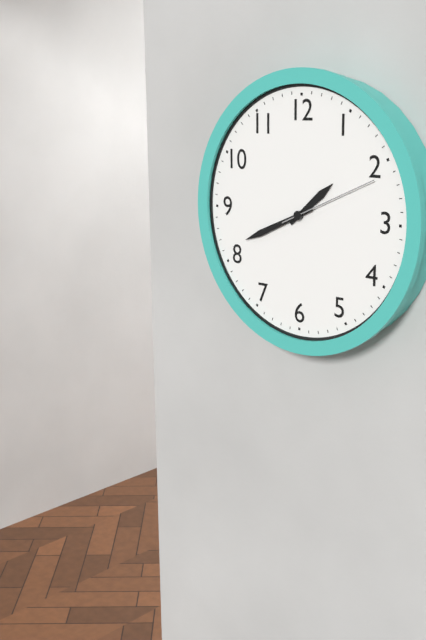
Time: h=1 m=41 s=11
